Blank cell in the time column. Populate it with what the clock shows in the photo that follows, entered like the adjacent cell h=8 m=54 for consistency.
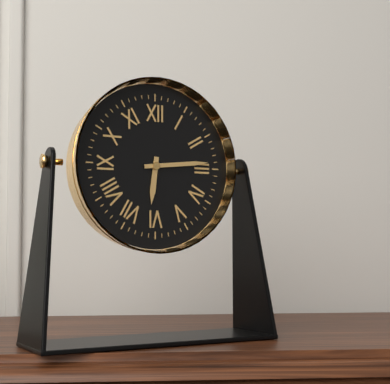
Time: h=6 m=14
